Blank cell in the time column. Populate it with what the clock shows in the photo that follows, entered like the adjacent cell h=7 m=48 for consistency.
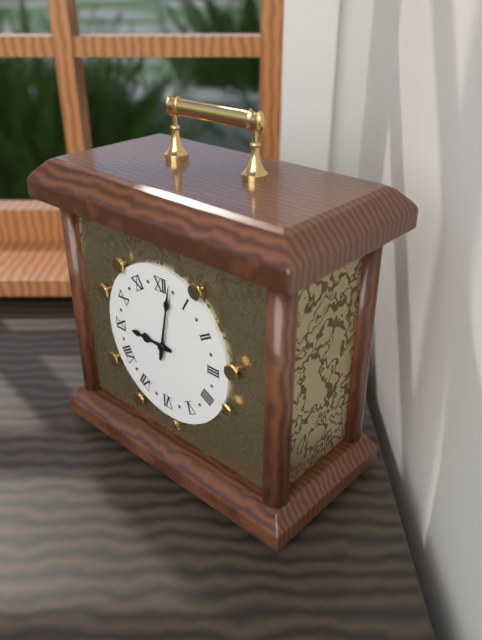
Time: h=9 m=2
